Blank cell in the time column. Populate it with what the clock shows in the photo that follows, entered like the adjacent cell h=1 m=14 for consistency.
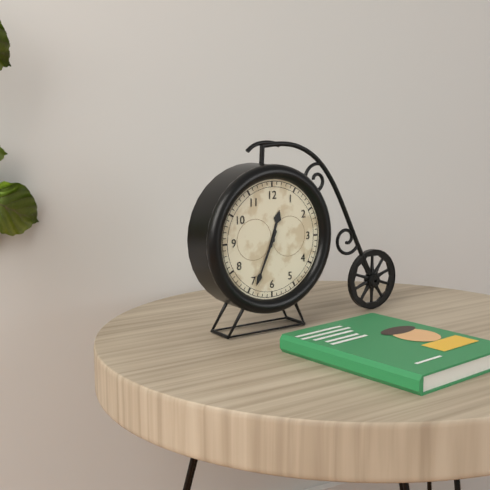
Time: h=12 m=34
